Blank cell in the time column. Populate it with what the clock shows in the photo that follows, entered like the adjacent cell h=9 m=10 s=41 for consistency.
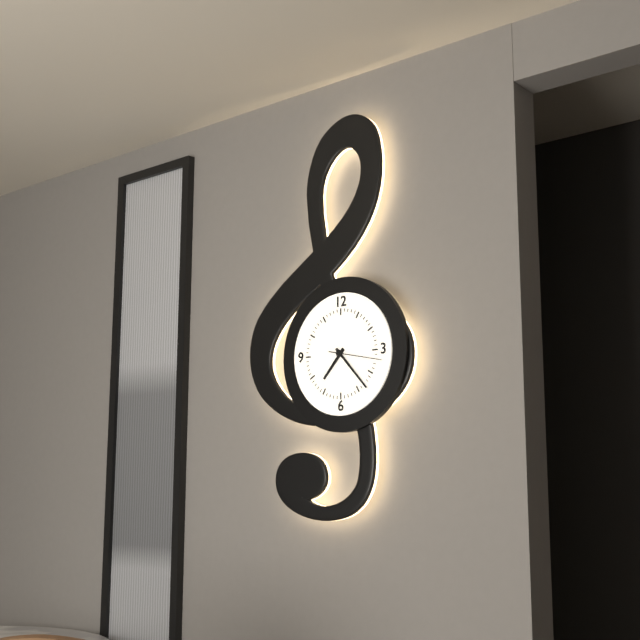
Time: h=7 m=23 s=17
